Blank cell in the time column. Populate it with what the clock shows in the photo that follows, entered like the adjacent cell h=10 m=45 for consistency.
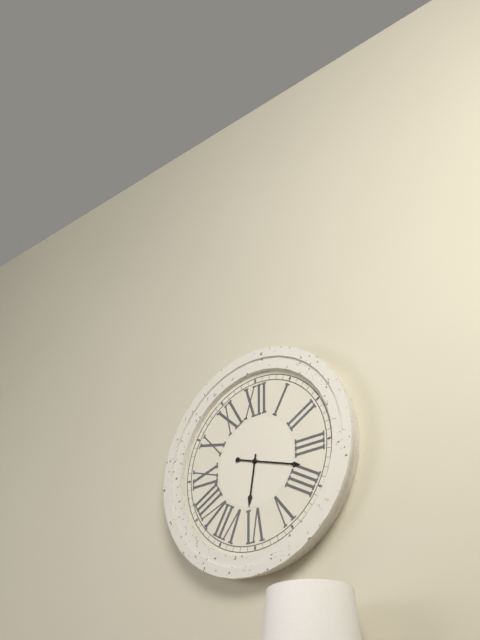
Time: h=6 m=18
